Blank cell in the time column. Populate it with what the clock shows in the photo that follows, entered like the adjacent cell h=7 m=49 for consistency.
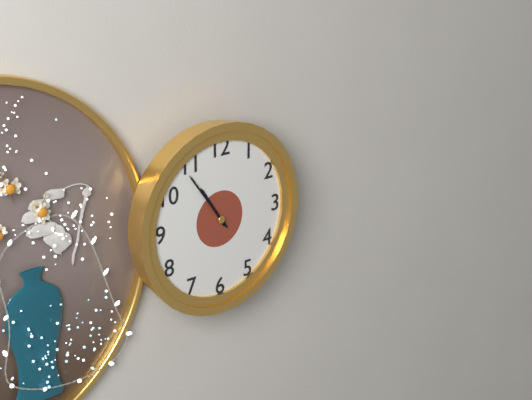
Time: h=10 m=54
